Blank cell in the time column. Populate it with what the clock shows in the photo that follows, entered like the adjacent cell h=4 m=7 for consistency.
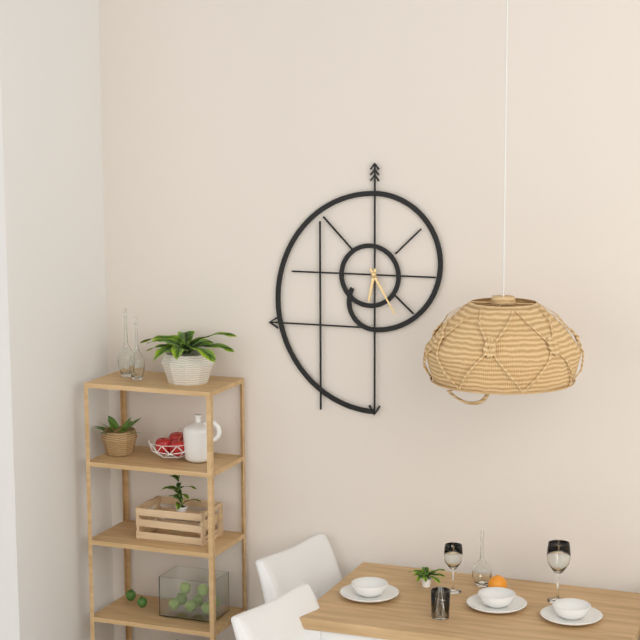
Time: h=6 m=25
